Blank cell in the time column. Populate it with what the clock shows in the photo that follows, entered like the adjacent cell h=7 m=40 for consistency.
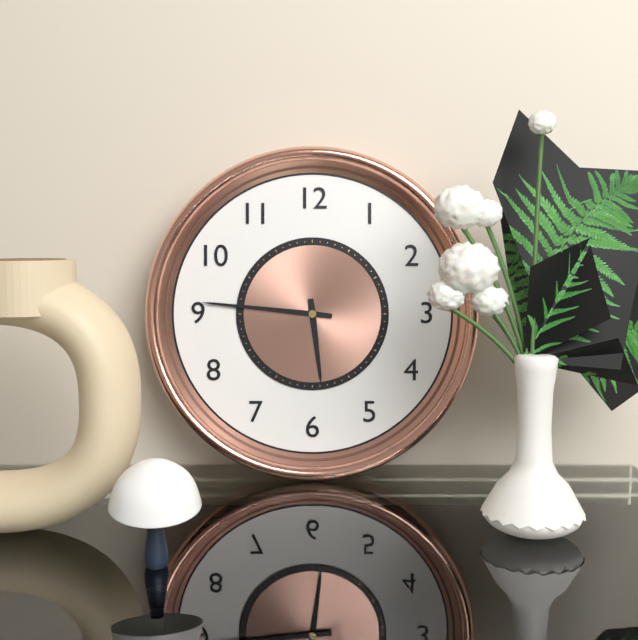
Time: h=5 m=46
